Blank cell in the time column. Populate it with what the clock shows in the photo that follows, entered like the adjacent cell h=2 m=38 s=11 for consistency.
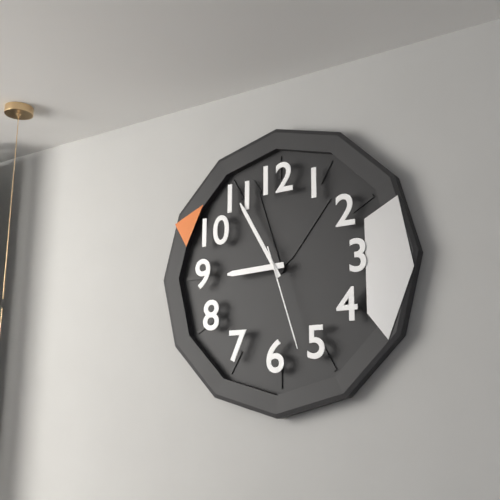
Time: h=8 m=55 s=27
